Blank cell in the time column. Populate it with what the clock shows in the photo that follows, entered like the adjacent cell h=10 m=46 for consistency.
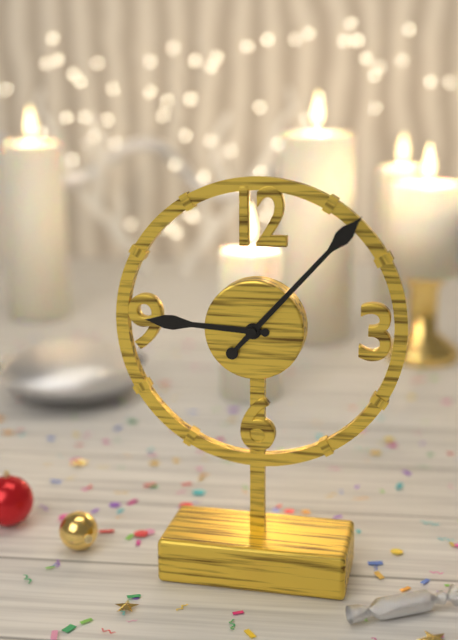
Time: h=9 m=7
